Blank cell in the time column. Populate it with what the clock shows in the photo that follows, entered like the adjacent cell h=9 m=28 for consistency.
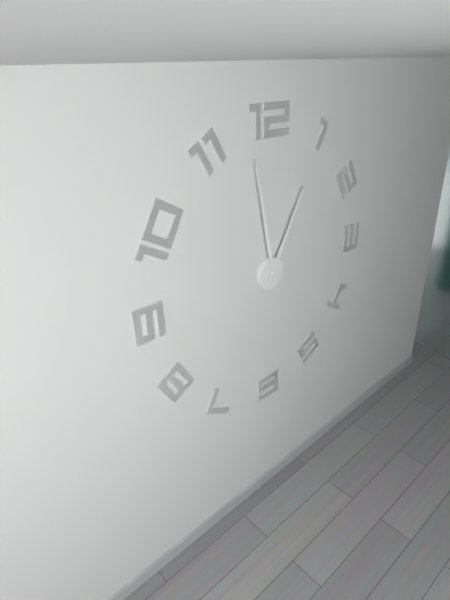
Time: h=12 m=58
